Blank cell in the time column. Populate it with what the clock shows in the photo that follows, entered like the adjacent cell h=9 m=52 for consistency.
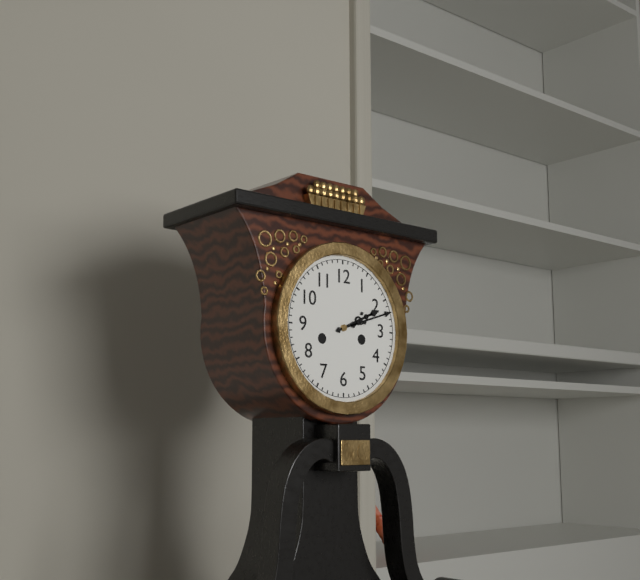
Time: h=2 m=12
